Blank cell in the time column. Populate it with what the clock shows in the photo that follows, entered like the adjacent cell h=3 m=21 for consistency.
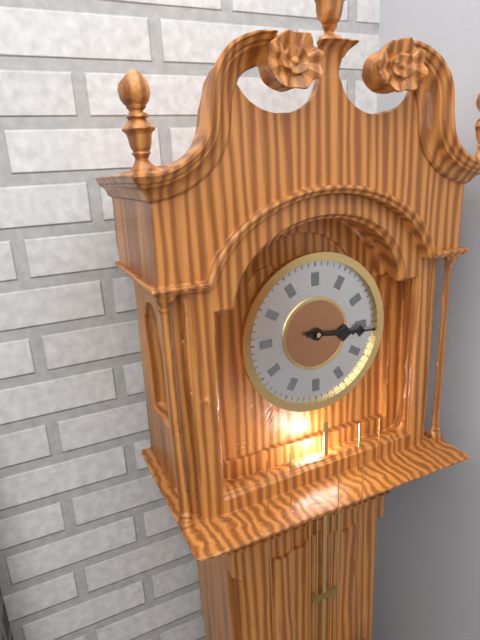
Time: h=3 m=16
